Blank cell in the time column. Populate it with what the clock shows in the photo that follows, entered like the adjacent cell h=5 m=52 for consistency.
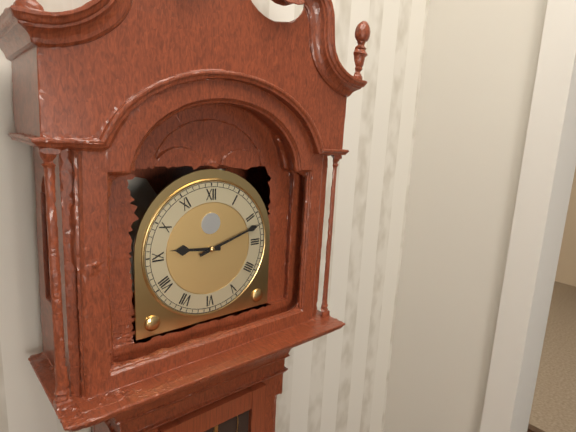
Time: h=9 m=12
